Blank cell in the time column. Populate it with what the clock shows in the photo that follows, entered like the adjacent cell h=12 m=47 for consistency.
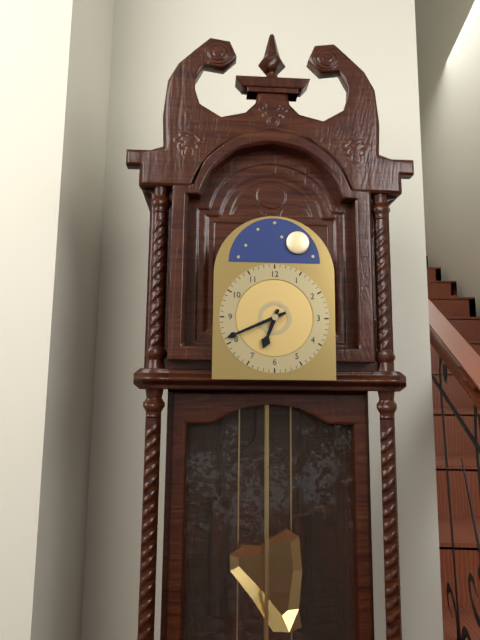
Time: h=6 m=41
